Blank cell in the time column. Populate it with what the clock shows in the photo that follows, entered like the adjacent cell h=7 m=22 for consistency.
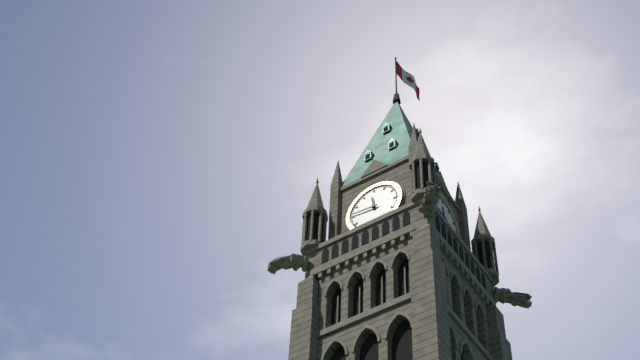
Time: h=11 m=46
